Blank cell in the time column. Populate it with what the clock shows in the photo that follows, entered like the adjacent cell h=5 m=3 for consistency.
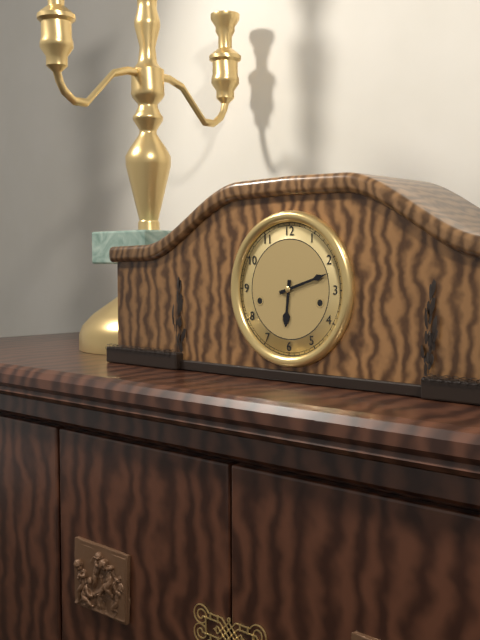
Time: h=6 m=12
